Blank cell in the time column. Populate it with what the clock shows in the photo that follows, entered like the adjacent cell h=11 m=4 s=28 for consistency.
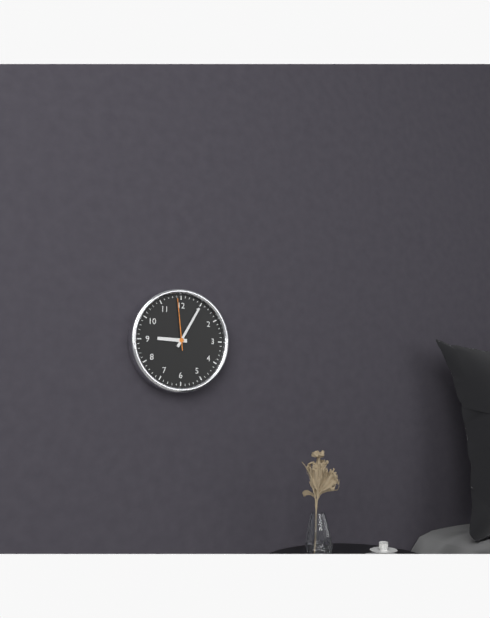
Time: h=9 m=5 s=59
